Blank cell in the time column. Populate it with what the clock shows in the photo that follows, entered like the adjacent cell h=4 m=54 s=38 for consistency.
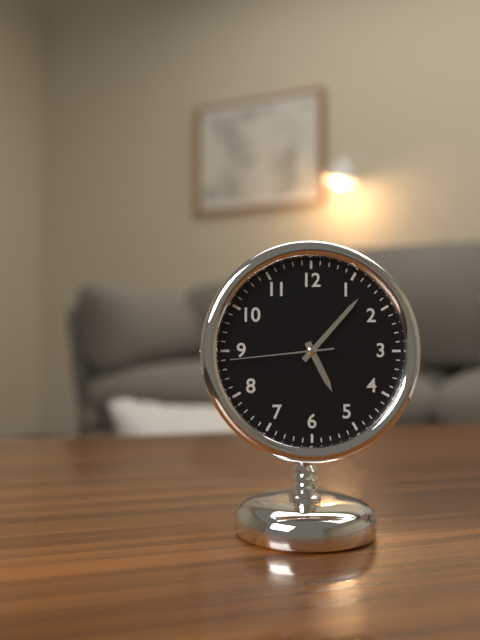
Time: h=5 m=7 s=44
